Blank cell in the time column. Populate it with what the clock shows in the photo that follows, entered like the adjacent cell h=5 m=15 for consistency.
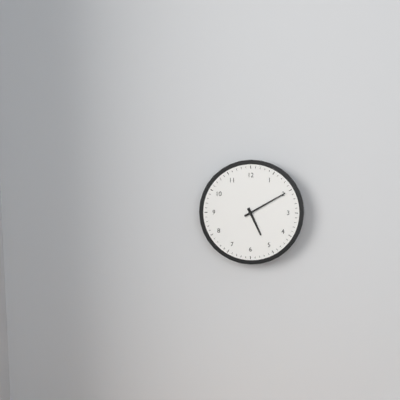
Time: h=5 m=10
